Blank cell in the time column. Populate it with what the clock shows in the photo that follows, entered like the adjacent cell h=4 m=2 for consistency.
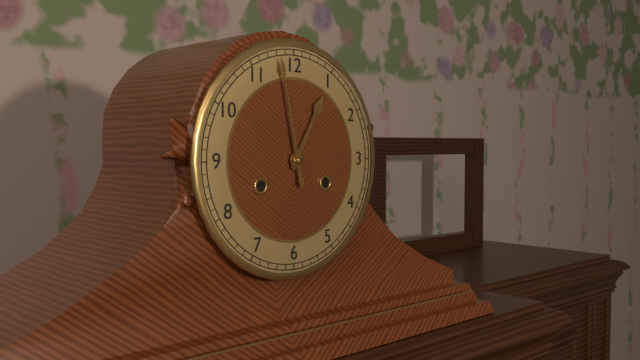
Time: h=12 m=58
